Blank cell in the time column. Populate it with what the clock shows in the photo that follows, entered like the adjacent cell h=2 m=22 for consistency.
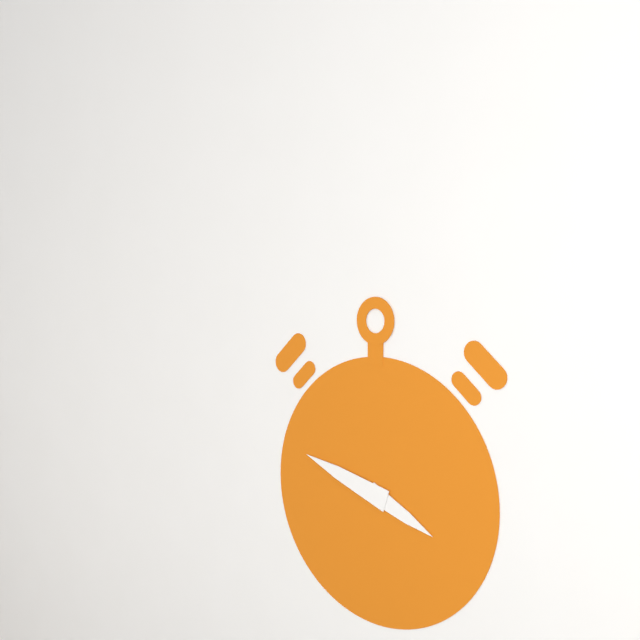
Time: h=3 m=48
